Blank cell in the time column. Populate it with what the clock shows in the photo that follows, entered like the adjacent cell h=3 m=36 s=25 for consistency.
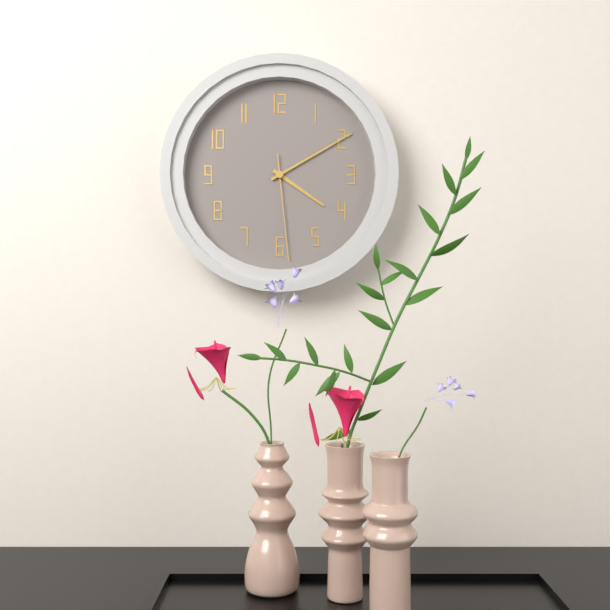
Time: h=4 m=10 s=29
